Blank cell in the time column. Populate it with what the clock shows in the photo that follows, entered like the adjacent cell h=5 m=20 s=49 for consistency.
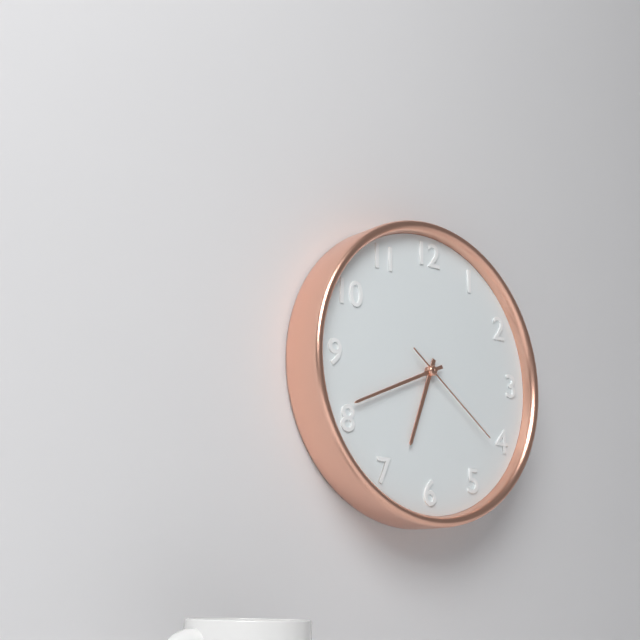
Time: h=6 m=41 s=21
